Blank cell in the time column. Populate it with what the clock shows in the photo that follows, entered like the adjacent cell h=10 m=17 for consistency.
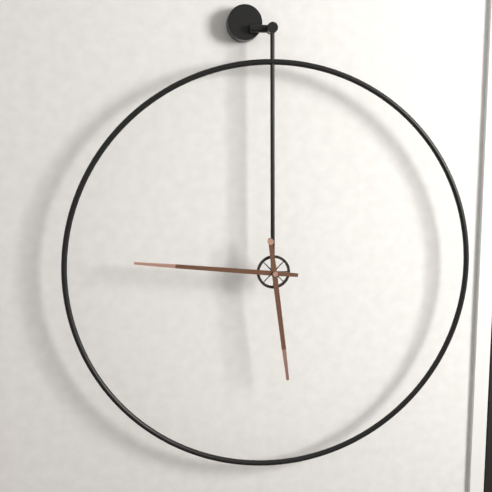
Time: h=5 m=46
